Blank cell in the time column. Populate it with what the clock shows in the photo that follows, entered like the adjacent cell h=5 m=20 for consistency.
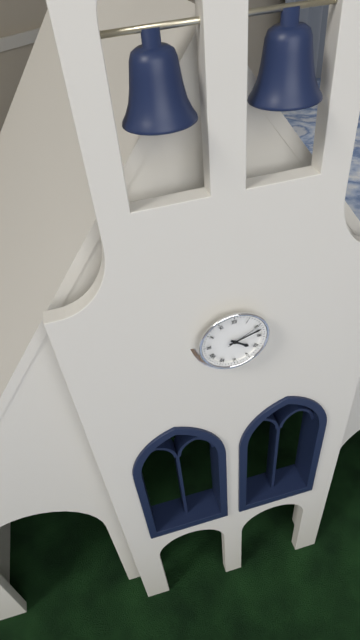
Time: h=4 m=12
